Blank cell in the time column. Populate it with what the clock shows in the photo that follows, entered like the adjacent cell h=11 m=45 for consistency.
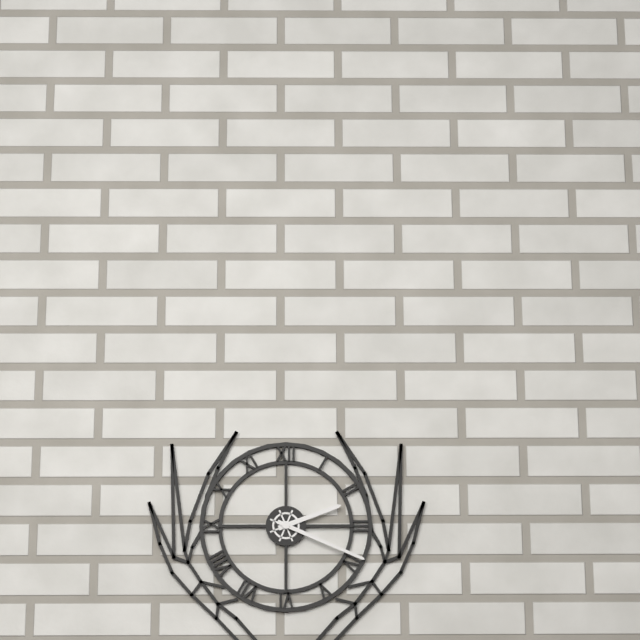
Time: h=2 m=19
